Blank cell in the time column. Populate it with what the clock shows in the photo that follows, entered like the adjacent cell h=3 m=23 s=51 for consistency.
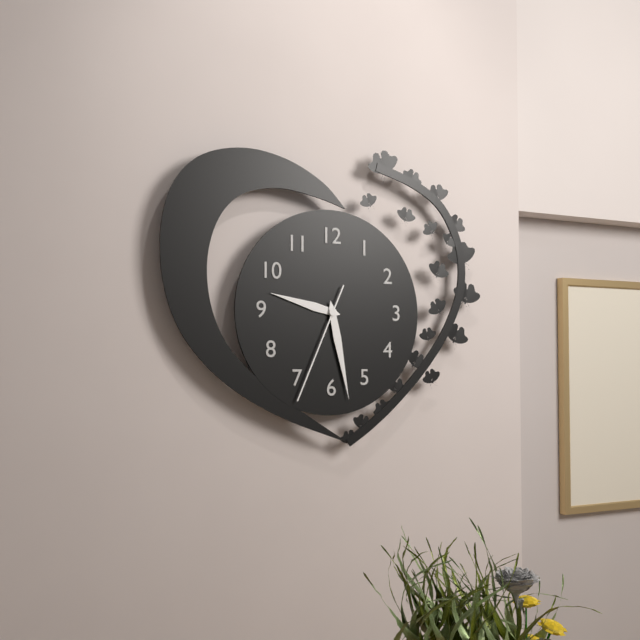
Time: h=9 m=28 s=34
